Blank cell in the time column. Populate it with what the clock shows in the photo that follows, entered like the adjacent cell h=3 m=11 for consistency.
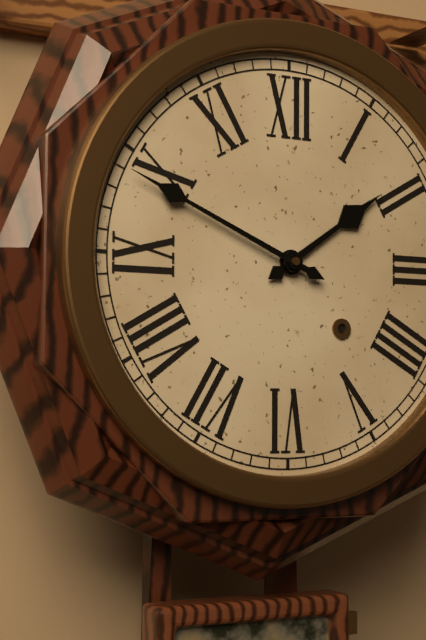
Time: h=1 m=49
